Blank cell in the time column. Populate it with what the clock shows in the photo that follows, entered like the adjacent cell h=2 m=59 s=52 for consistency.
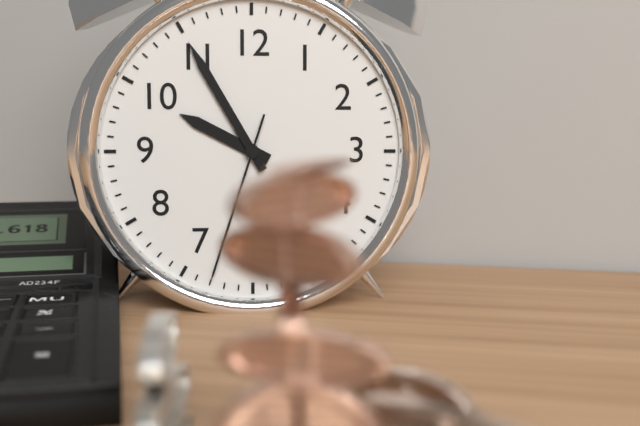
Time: h=9 m=55 s=33
